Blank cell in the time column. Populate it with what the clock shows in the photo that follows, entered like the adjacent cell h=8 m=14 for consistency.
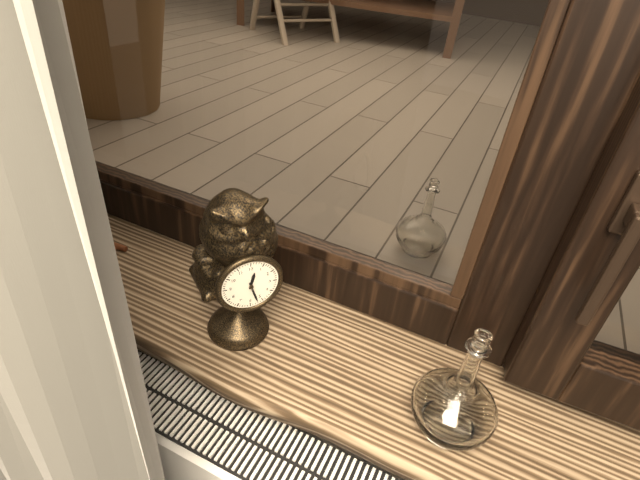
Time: h=12 m=27
